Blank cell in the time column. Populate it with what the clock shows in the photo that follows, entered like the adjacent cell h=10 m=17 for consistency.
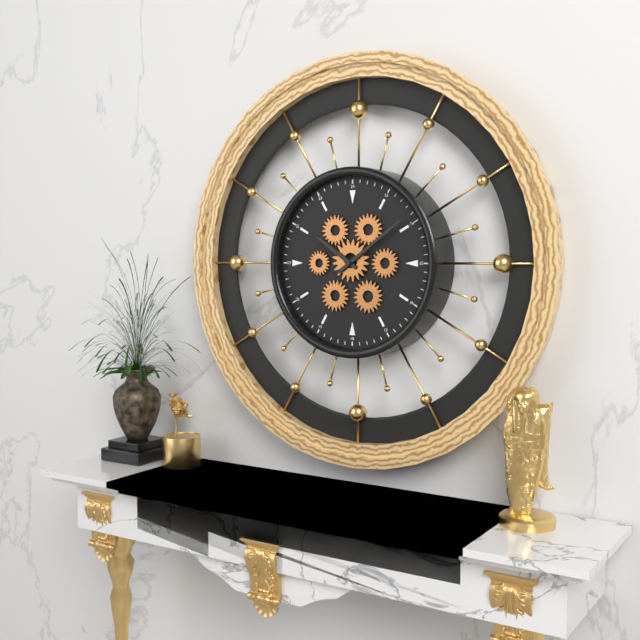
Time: h=10 m=9
